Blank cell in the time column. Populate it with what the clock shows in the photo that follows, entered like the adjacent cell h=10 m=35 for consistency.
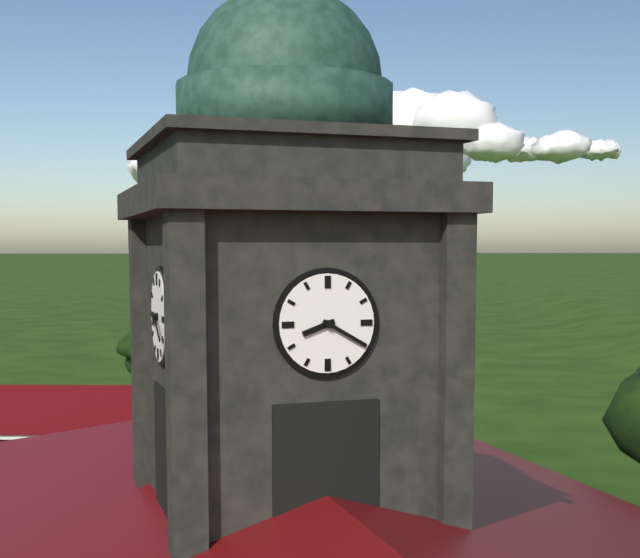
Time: h=8 m=20
